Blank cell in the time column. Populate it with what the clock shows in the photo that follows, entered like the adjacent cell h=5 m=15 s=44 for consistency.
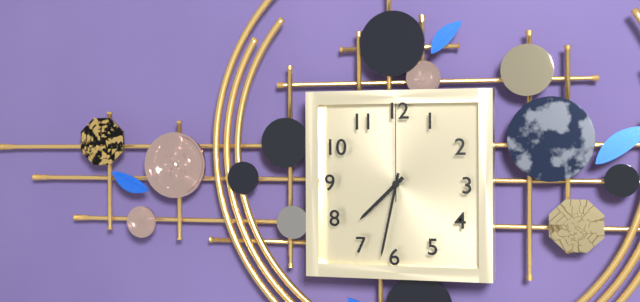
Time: h=7 m=32 s=0
